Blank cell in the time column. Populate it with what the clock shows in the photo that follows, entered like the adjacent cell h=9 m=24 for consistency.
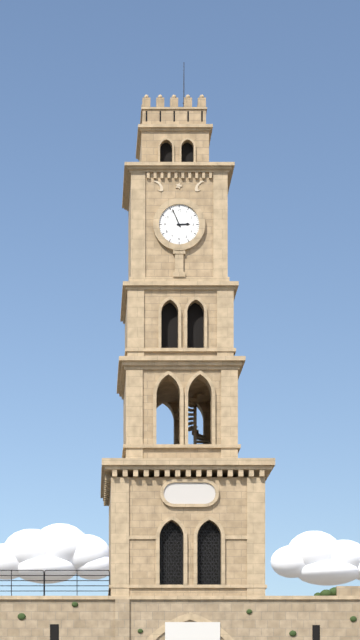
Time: h=2 m=56
